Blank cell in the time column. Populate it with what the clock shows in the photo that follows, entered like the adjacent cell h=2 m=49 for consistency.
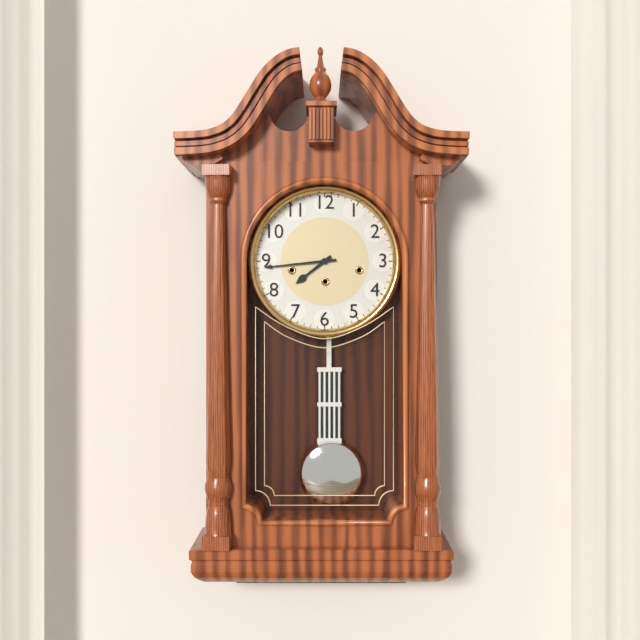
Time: h=7 m=44
